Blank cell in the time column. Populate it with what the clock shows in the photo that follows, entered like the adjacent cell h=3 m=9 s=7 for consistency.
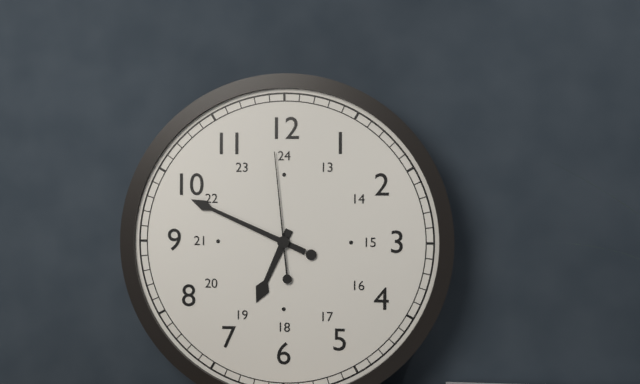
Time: h=6 m=49 s=59
